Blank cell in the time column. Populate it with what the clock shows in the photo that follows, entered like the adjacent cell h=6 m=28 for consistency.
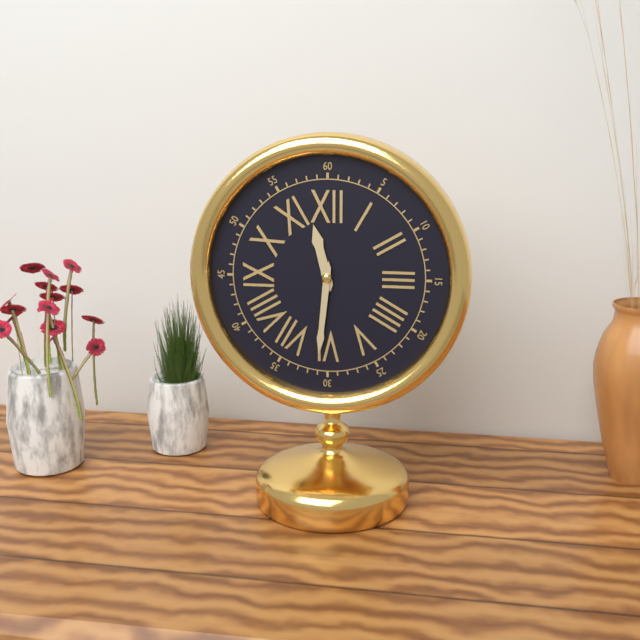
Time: h=11 m=31
